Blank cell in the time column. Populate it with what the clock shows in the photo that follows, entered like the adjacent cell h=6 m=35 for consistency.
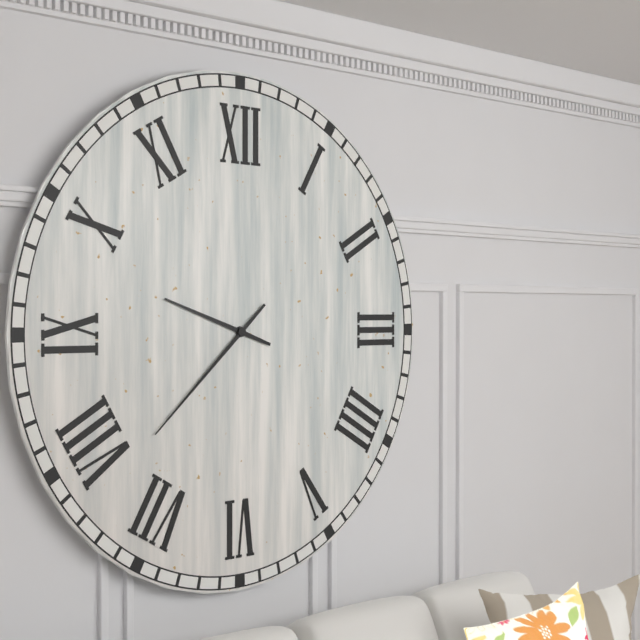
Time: h=9 m=38
